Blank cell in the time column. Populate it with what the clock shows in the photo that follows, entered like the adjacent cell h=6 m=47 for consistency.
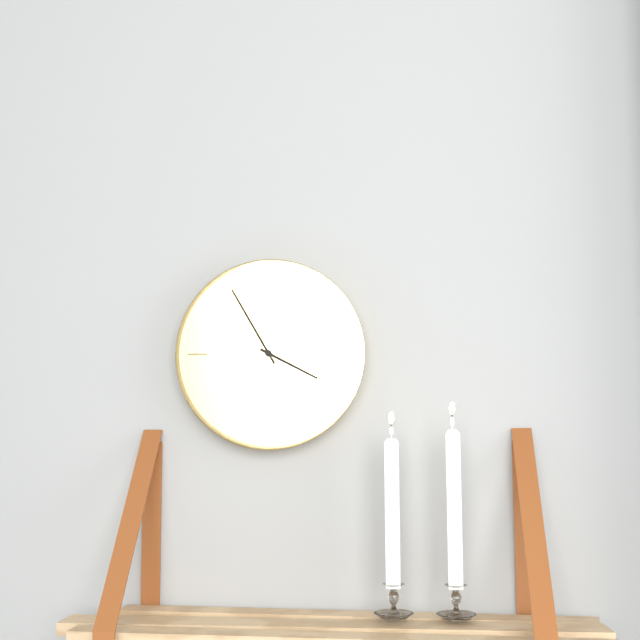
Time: h=3 m=55
